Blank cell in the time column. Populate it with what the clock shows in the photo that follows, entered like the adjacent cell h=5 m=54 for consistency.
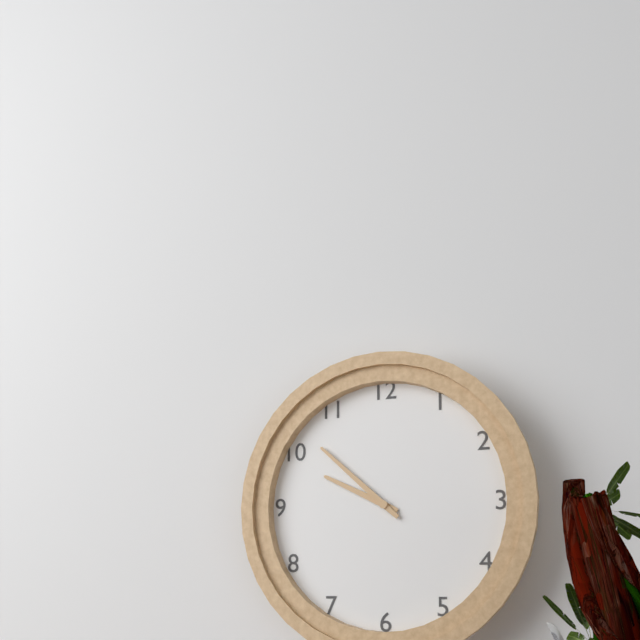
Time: h=9 m=52
